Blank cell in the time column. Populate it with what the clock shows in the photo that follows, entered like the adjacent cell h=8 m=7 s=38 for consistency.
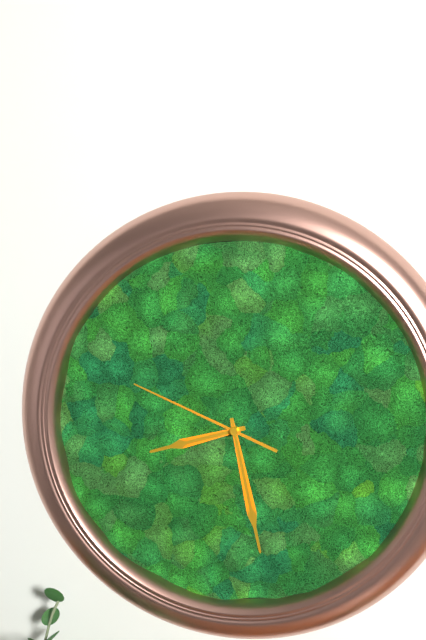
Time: h=8 m=28 s=49
